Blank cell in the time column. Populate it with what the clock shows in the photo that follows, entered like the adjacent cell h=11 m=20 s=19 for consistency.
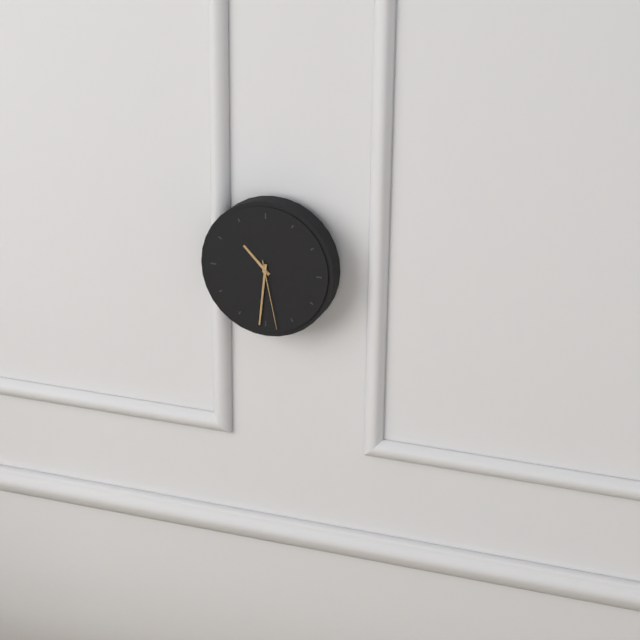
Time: h=10 m=31 s=28
